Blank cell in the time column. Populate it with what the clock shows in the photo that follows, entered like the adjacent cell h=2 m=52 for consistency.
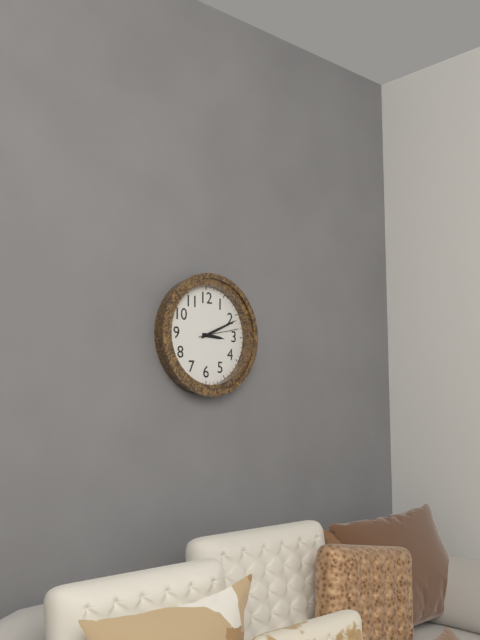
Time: h=3 m=11
